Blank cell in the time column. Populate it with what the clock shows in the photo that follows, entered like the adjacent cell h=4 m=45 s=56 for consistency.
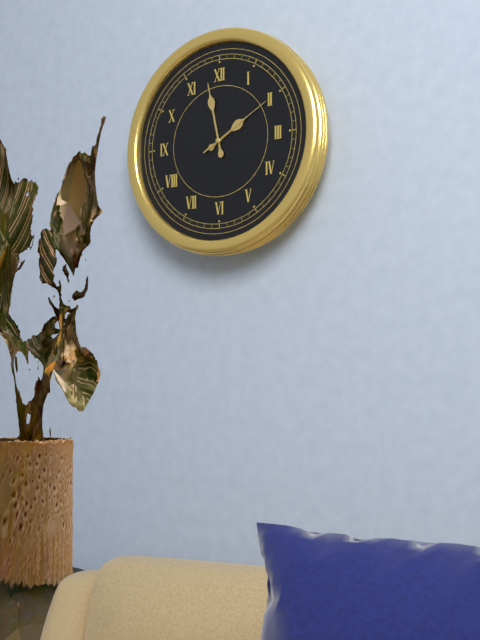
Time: h=1 m=58 s=10
